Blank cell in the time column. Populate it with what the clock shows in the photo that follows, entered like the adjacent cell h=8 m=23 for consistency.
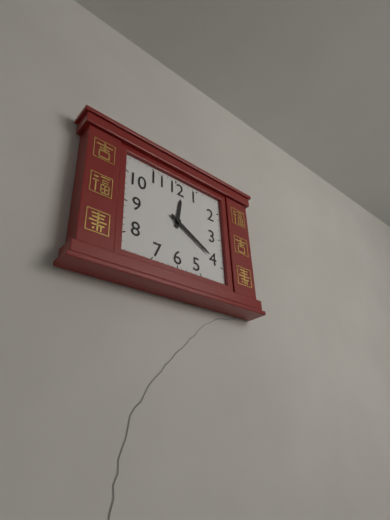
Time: h=12 m=20
